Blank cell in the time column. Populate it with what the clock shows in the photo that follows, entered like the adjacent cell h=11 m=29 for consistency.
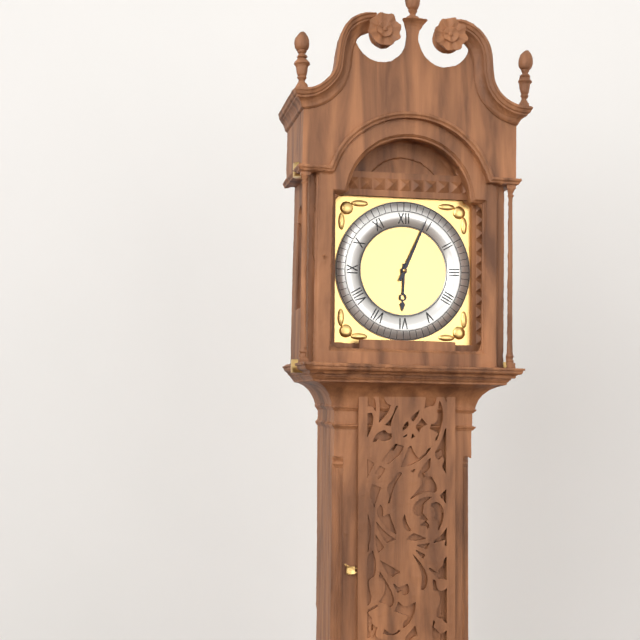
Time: h=6 m=4
